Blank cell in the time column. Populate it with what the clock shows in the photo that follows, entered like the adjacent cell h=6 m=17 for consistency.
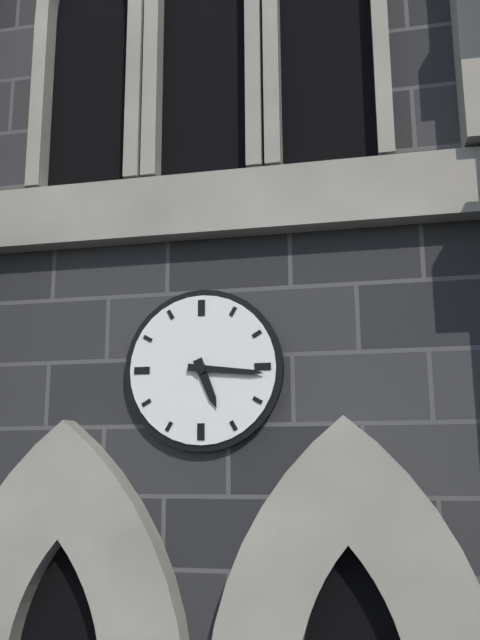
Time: h=5 m=16
